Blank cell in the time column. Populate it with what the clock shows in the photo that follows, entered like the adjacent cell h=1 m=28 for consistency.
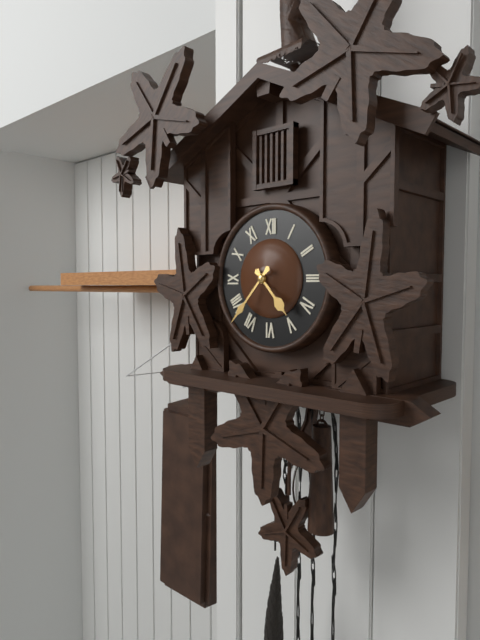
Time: h=4 m=37
